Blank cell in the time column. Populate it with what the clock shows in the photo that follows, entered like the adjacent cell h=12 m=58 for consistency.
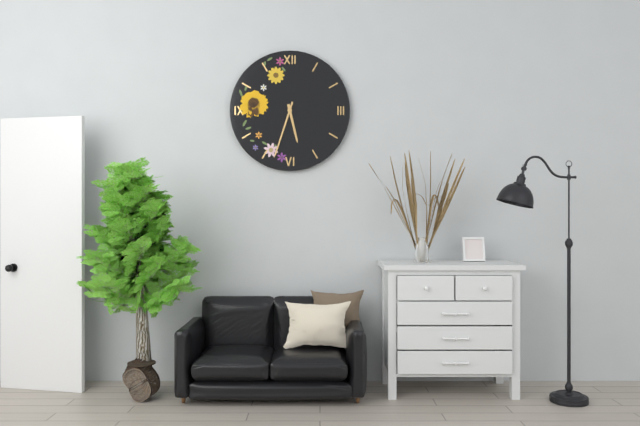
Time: h=5 m=33
